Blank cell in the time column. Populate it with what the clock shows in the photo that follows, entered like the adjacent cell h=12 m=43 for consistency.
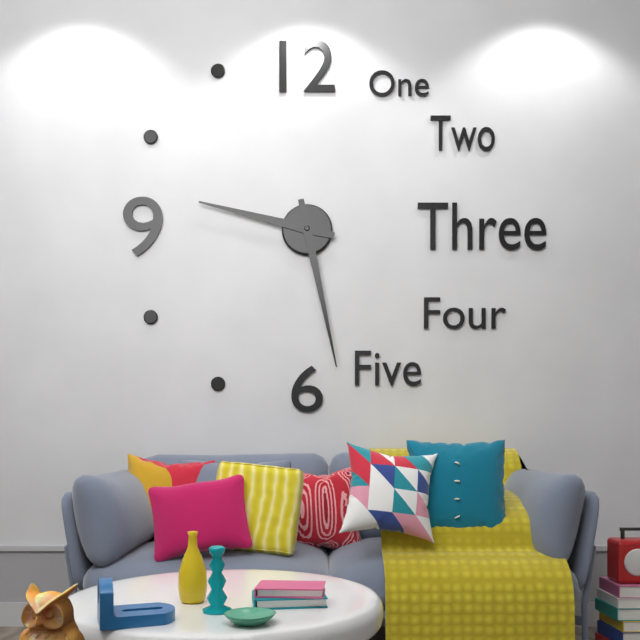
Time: h=9 m=28
